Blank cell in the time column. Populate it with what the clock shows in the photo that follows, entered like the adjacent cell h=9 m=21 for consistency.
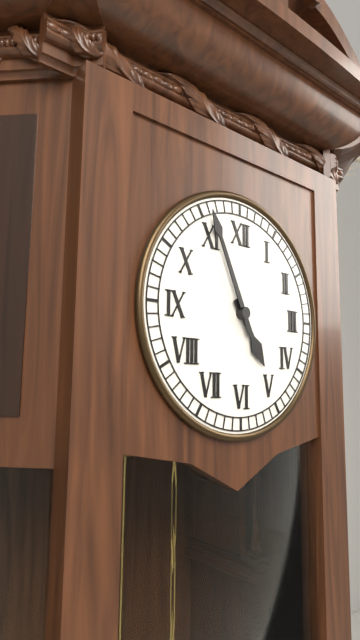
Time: h=4 m=56
